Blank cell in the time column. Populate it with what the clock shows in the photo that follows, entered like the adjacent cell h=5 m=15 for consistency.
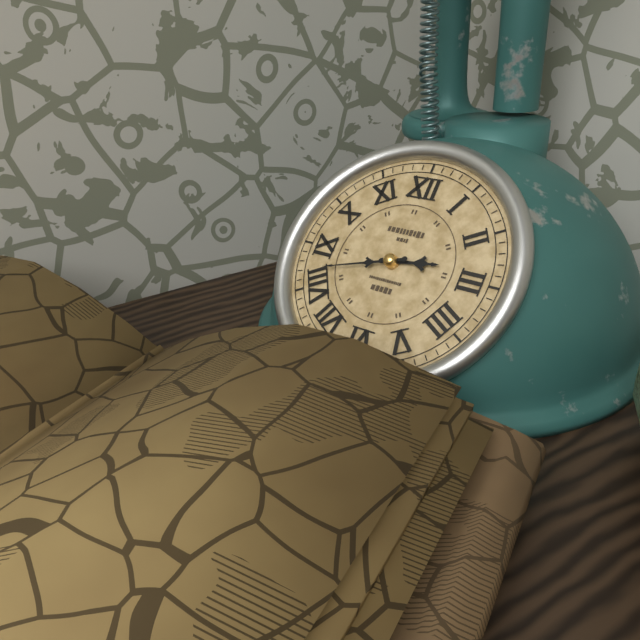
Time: h=2 m=42
